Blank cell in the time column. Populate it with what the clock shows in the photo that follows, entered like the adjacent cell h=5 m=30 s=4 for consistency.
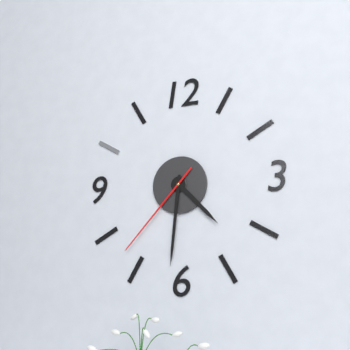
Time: h=4 m=31 s=37
